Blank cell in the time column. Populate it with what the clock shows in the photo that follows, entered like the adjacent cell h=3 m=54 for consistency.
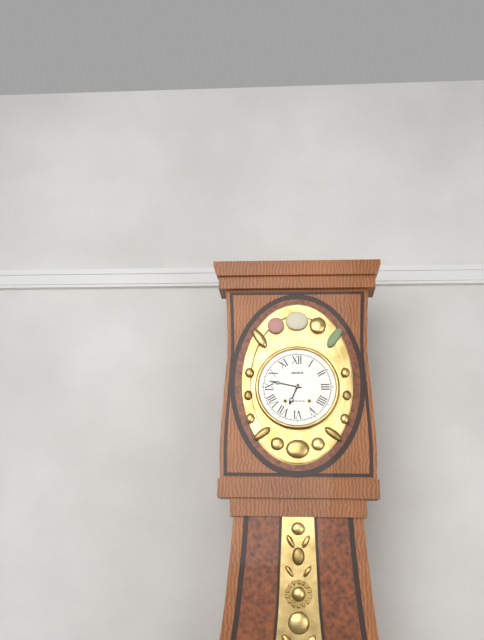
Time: h=6 m=47
